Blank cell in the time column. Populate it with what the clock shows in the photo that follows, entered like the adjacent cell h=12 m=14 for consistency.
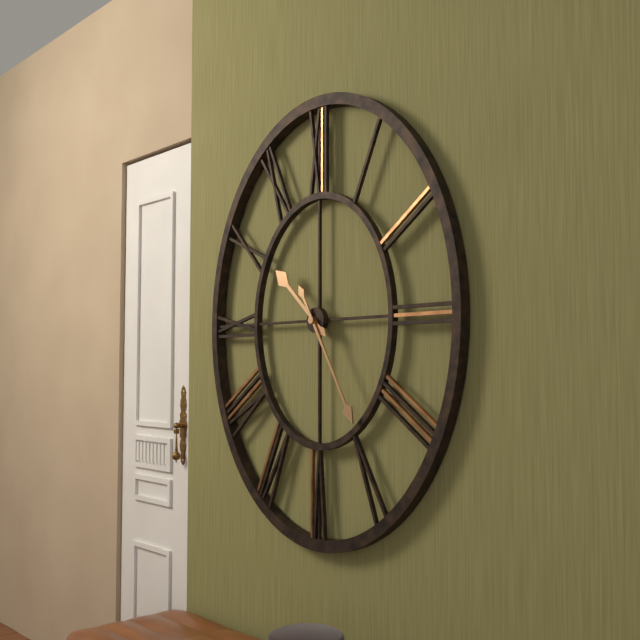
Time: h=10 m=25
